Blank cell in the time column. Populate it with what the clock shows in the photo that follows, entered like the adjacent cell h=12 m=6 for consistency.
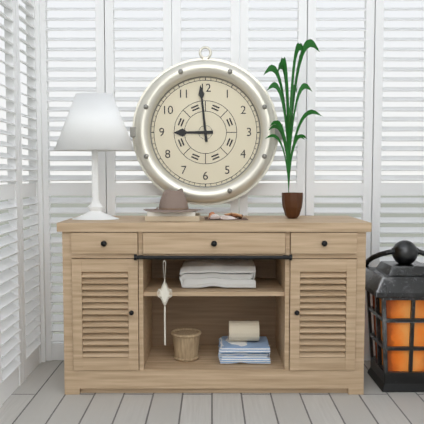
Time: h=8 m=59
